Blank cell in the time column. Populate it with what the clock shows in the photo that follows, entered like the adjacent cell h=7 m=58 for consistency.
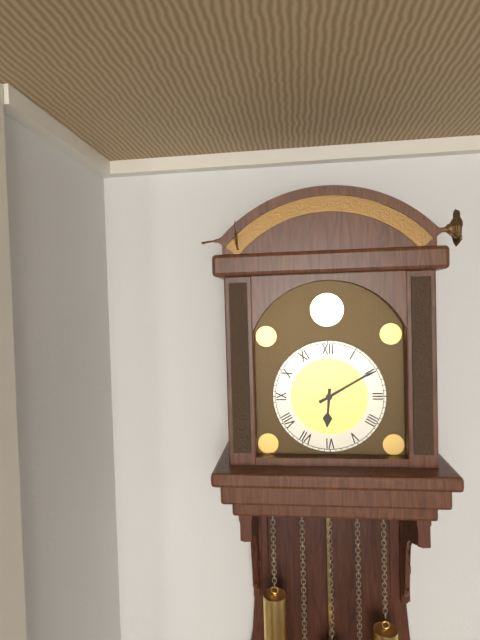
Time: h=6 m=10
